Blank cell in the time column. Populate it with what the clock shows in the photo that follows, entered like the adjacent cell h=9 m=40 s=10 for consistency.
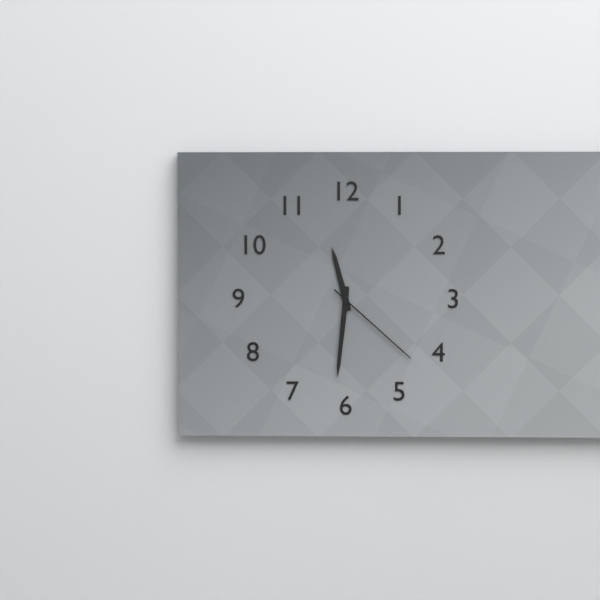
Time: h=11 m=31 s=22
